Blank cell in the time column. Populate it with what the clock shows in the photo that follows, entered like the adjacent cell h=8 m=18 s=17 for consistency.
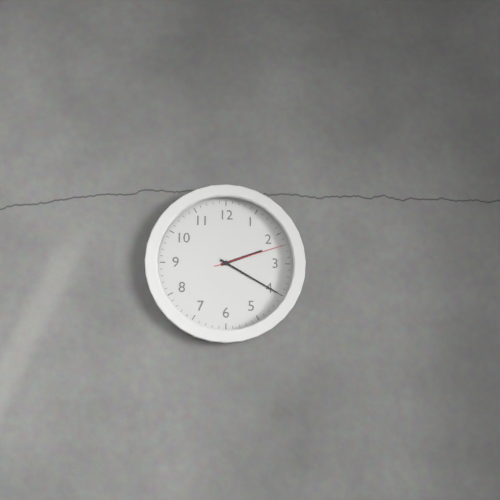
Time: h=2 m=20 s=12
